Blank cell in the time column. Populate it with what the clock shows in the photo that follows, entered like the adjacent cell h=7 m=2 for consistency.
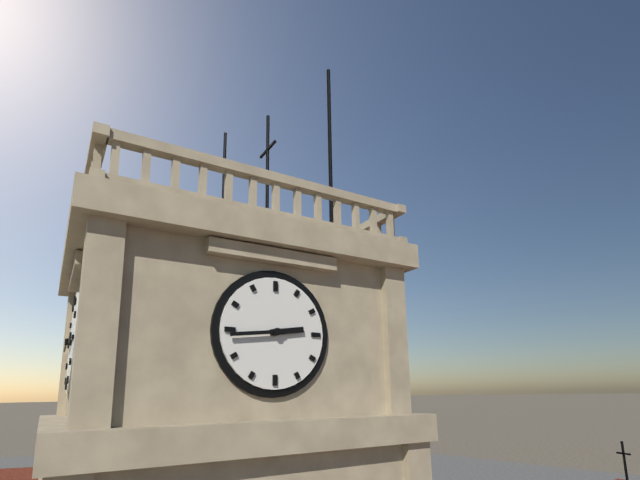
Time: h=2 m=44
